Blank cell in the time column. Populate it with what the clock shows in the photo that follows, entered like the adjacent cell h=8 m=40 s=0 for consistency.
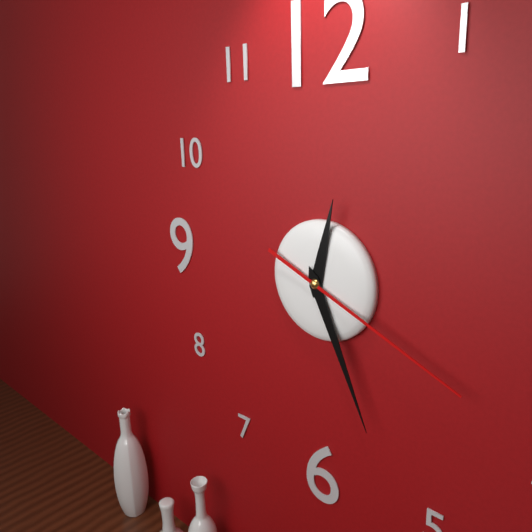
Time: h=12 m=26 s=19
